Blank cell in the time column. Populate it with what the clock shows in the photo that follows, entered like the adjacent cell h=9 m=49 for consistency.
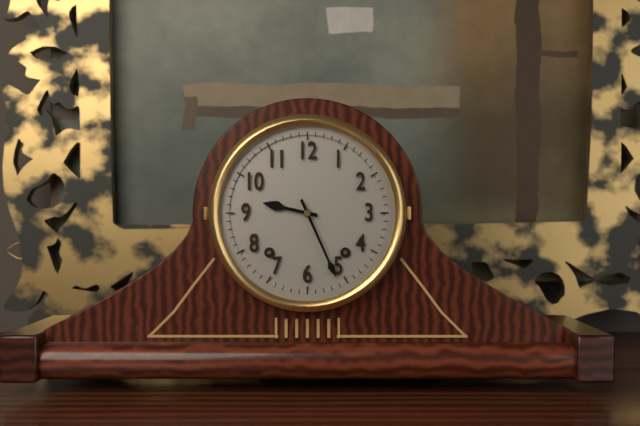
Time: h=9 m=26
